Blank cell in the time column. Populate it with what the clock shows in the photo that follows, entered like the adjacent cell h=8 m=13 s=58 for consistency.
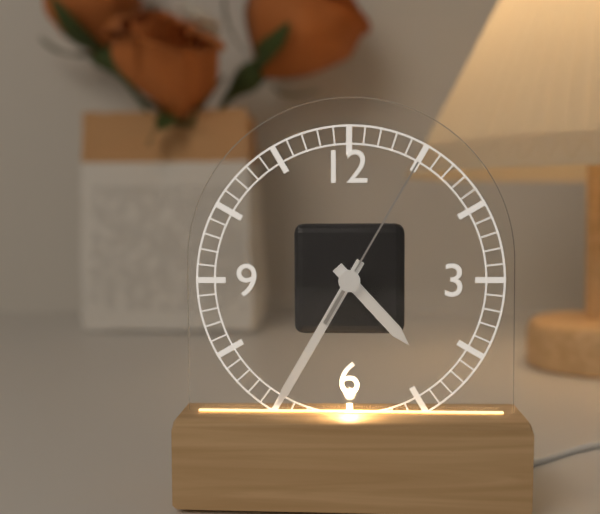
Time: h=4 m=35 s=5
